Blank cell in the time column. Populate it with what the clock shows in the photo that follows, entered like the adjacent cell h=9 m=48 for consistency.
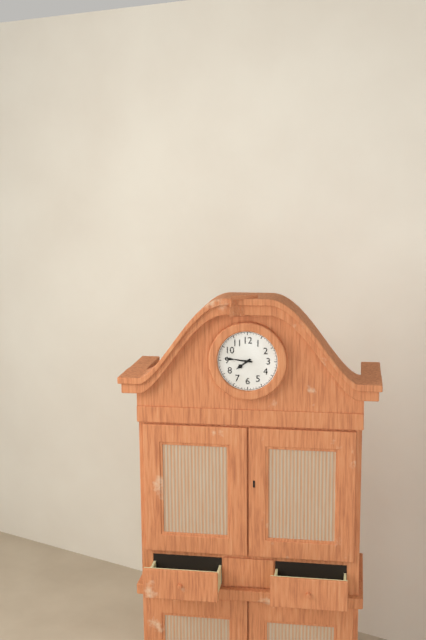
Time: h=7 m=46
